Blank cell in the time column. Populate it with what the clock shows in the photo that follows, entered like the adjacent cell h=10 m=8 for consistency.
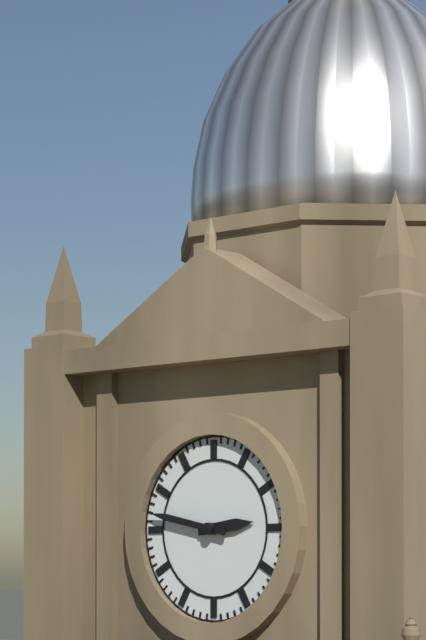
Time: h=2 m=47
